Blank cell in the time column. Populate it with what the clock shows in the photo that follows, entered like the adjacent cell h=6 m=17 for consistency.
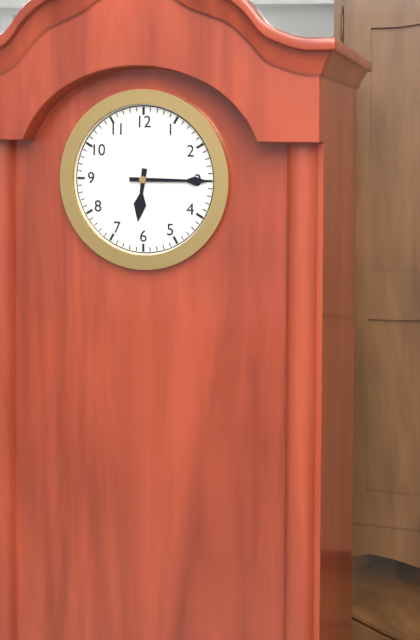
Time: h=6 m=15
